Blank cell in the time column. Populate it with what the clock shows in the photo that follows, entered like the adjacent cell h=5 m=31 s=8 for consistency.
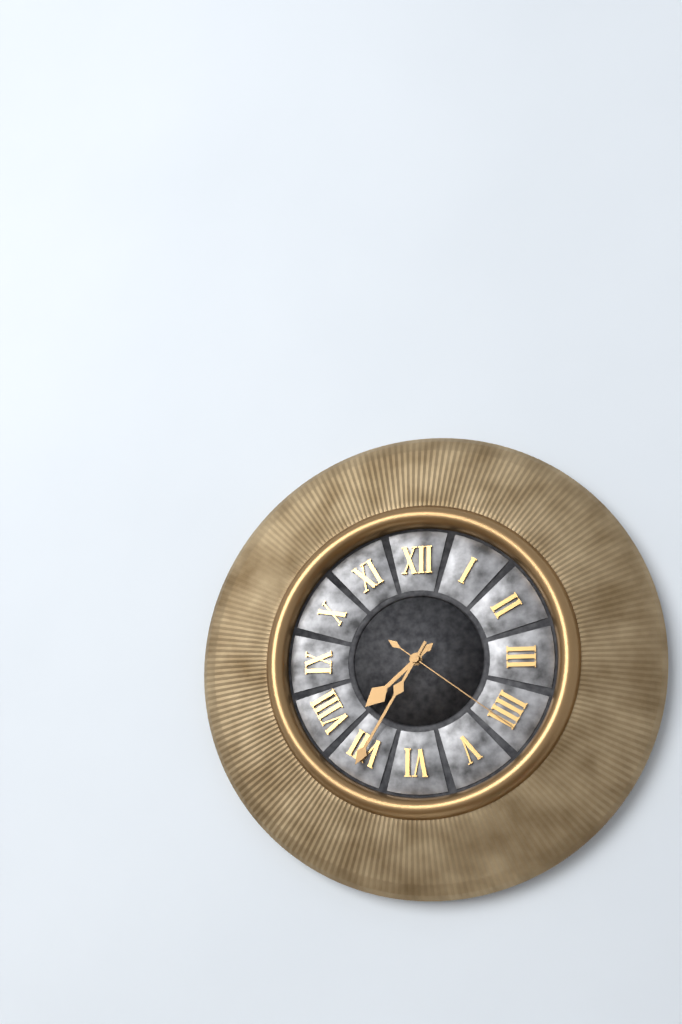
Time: h=7 m=35 s=21
